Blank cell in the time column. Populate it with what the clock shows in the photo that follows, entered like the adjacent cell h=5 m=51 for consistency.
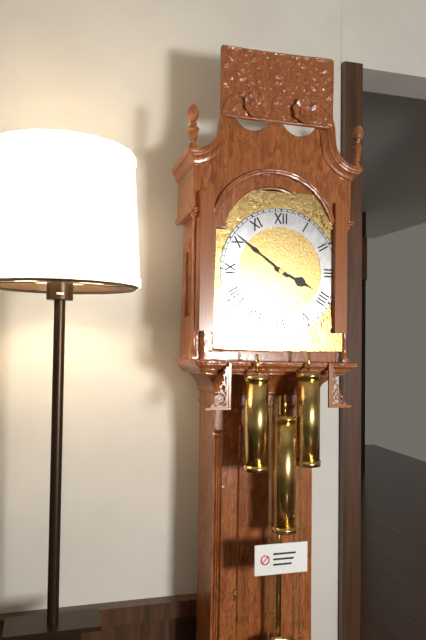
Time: h=3 m=51
